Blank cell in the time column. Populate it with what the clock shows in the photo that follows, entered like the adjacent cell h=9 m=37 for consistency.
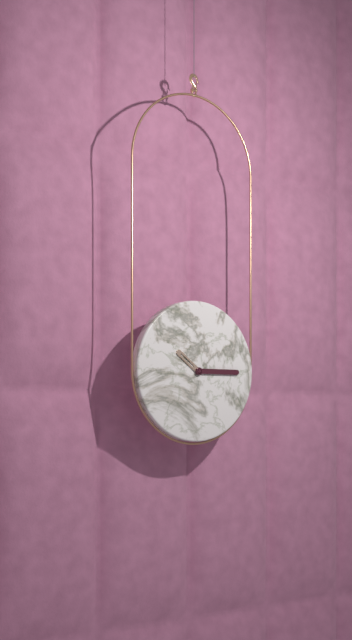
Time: h=10 m=15
